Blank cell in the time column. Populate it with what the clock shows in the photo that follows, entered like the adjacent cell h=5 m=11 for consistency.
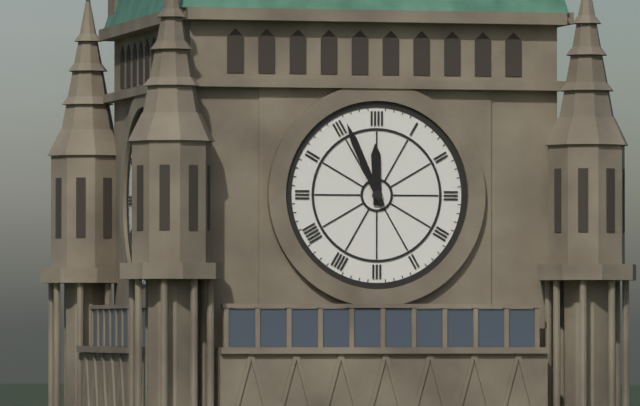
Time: h=11 m=56
